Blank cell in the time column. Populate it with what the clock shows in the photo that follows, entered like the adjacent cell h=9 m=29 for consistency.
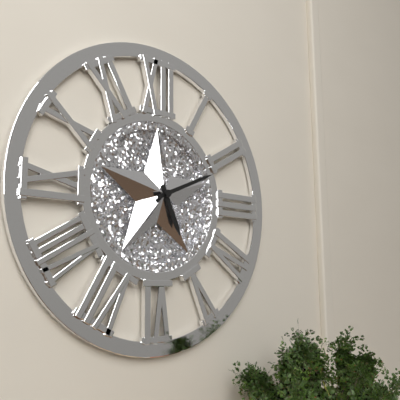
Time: h=5 m=11
